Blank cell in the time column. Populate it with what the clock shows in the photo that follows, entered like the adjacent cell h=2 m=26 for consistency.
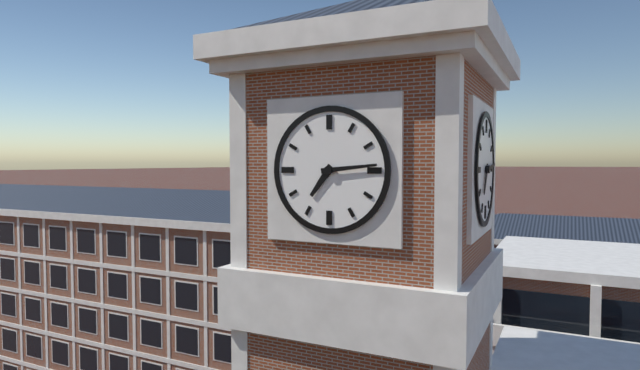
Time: h=7 m=14
